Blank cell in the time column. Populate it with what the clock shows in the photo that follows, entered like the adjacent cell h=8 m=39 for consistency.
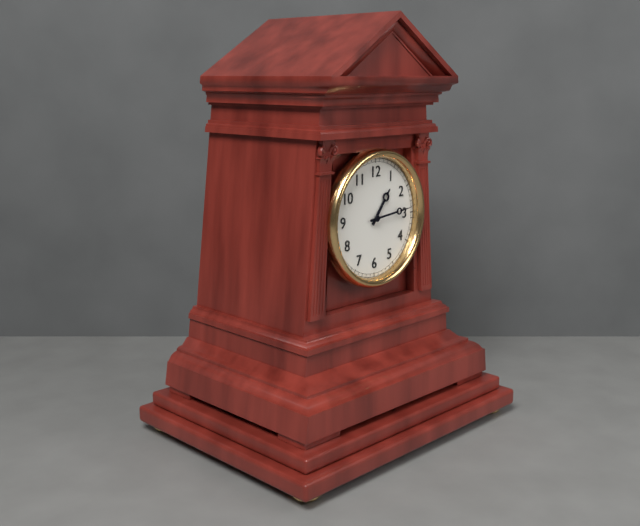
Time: h=1 m=14
